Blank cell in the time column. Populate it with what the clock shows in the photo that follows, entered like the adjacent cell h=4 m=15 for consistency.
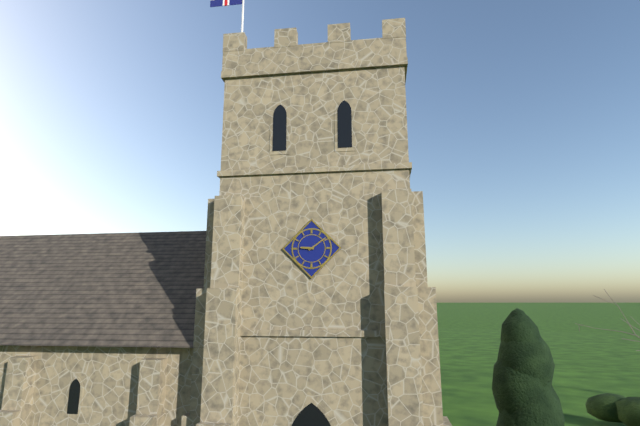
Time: h=9 m=9
